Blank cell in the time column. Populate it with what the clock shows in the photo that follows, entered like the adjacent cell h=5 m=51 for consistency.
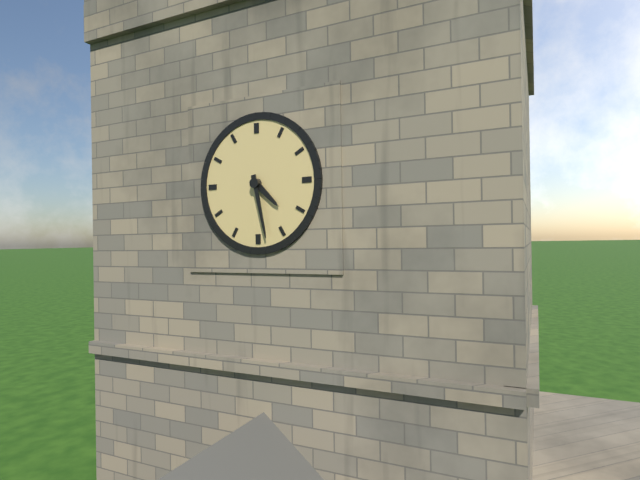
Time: h=4 m=28
